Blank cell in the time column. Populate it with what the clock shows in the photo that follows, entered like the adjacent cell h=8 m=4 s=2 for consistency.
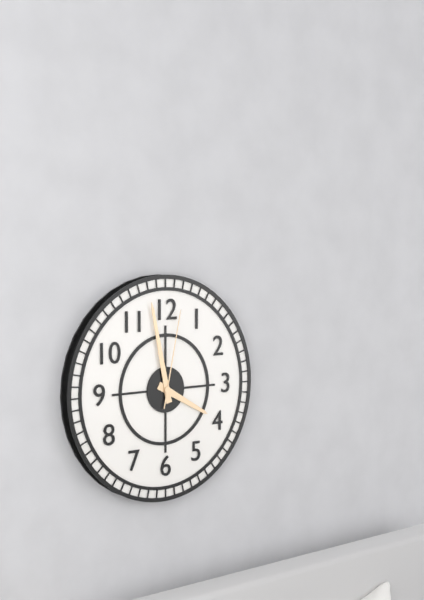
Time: h=3 m=58 s=2
